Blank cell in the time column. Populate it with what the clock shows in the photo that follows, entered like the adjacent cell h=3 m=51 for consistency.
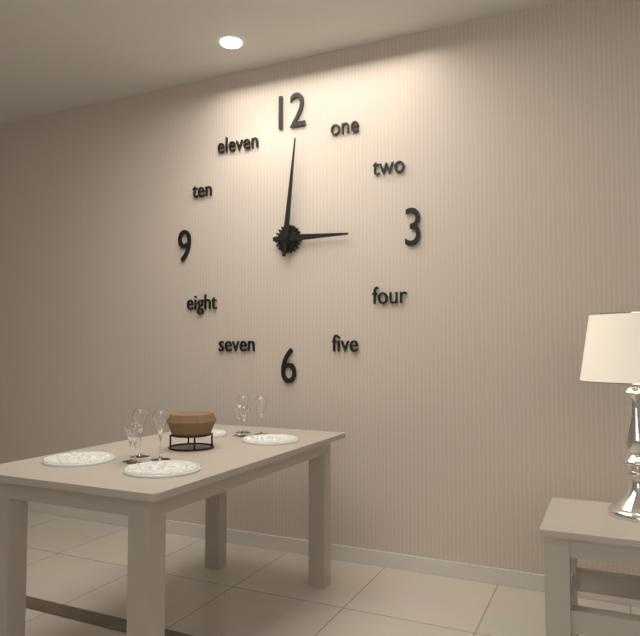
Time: h=3 m=1
